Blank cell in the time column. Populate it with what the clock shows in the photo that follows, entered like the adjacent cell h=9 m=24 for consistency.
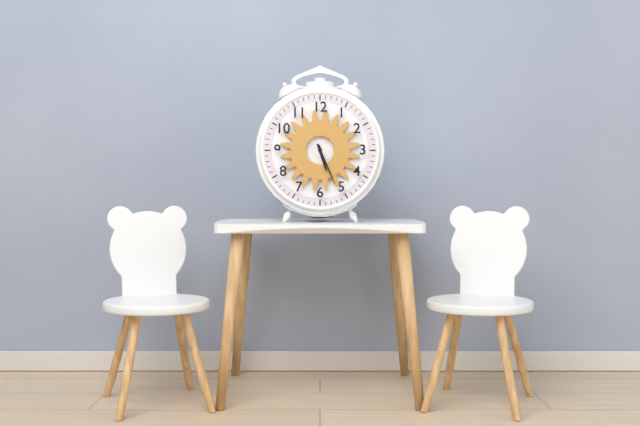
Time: h=5 m=26
